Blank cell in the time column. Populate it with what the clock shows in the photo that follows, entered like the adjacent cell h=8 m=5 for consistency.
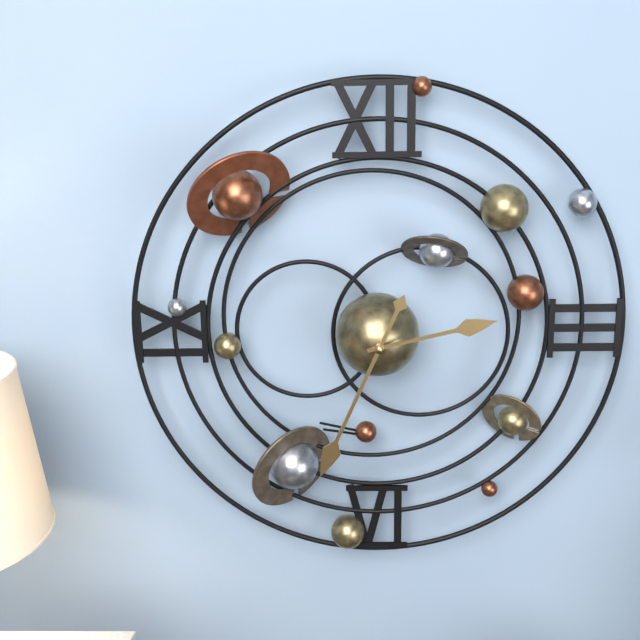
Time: h=2 m=34
